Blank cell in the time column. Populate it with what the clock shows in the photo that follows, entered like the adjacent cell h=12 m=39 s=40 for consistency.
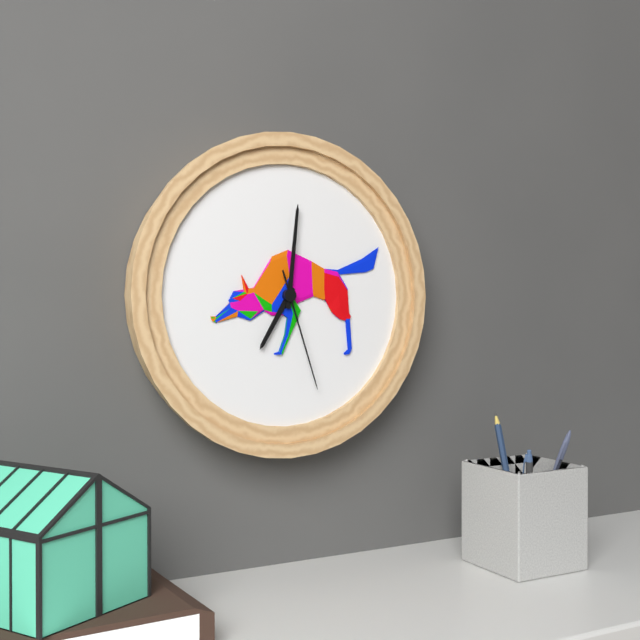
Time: h=7 m=1 s=27
